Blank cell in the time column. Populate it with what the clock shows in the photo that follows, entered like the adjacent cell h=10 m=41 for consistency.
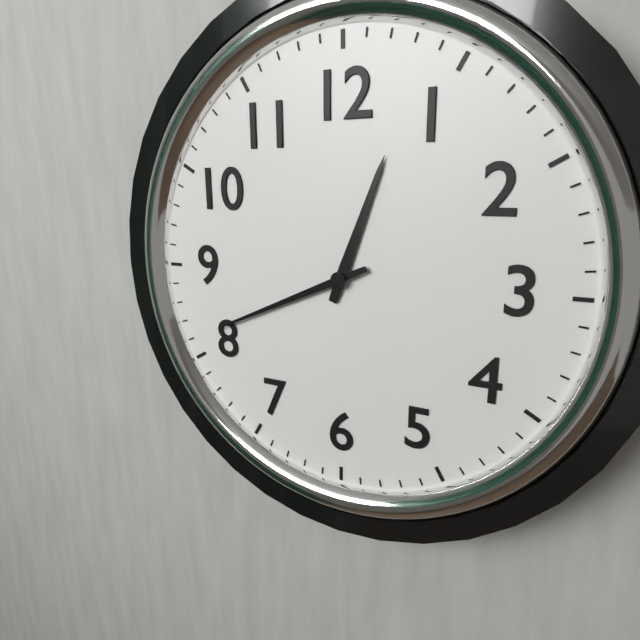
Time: h=12 m=41
